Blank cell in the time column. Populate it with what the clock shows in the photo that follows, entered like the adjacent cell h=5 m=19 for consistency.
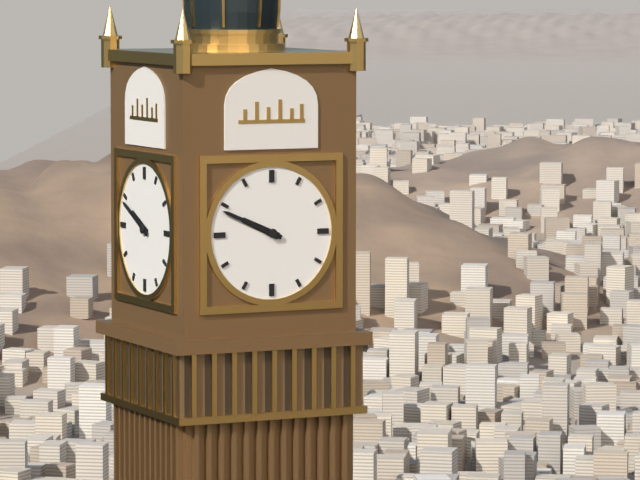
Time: h=9 m=49
